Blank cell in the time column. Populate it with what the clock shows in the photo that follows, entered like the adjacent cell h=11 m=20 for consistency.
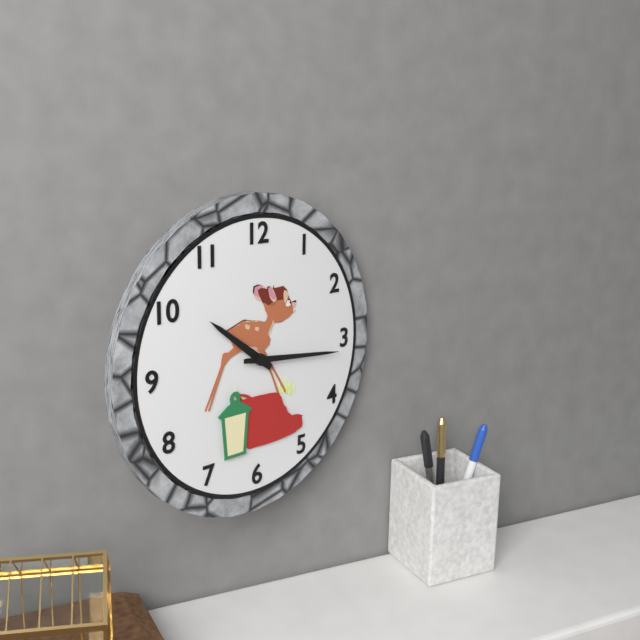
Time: h=10 m=16
